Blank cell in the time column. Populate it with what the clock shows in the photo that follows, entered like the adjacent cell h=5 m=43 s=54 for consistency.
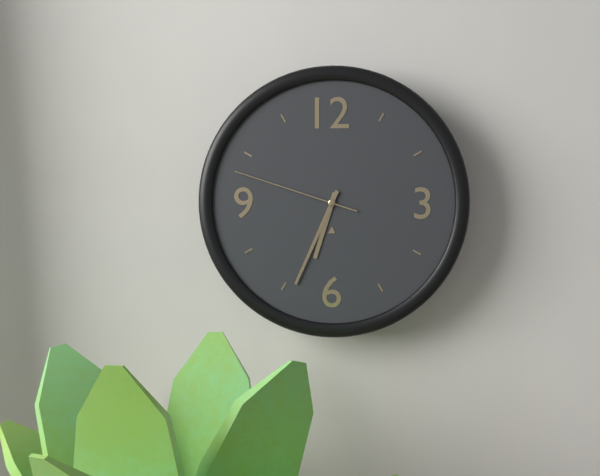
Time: h=6 m=34 s=48
